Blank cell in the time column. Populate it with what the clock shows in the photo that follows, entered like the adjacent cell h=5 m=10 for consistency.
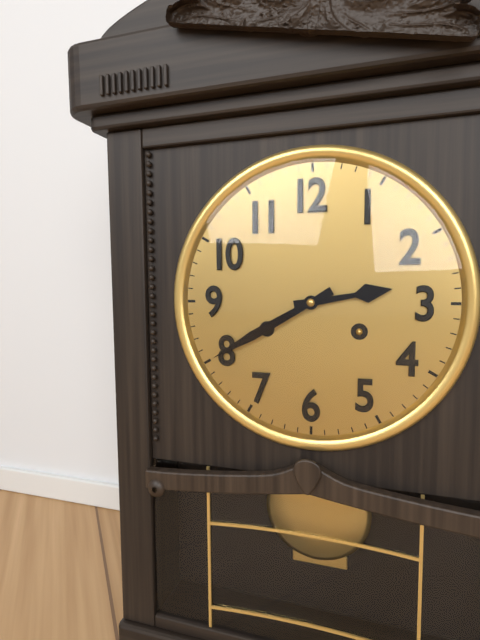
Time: h=2 m=40
